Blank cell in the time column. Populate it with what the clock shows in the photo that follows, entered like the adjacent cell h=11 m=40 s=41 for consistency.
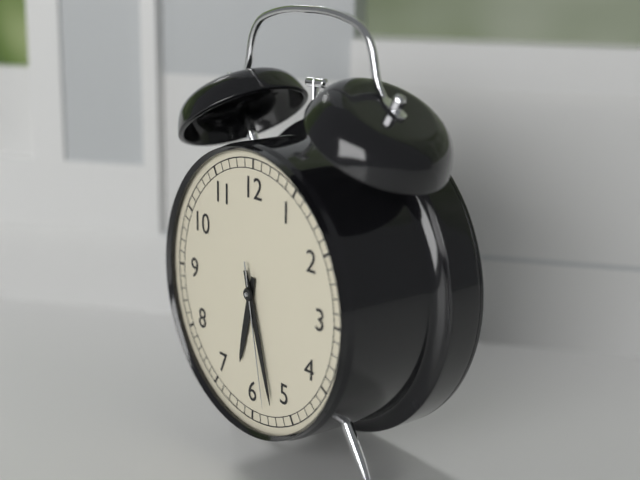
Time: h=6 m=27 s=28
